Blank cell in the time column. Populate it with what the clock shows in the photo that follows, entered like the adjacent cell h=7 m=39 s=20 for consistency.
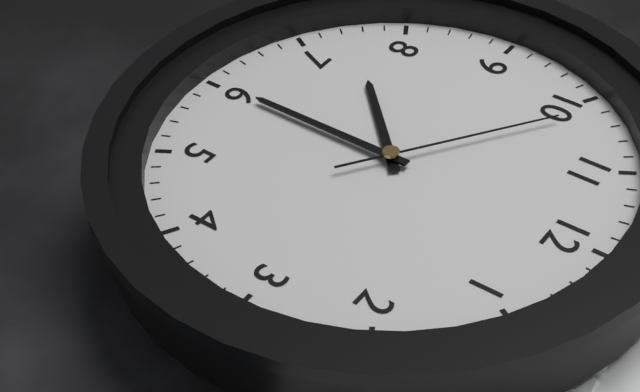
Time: h=7 m=30 s=51
